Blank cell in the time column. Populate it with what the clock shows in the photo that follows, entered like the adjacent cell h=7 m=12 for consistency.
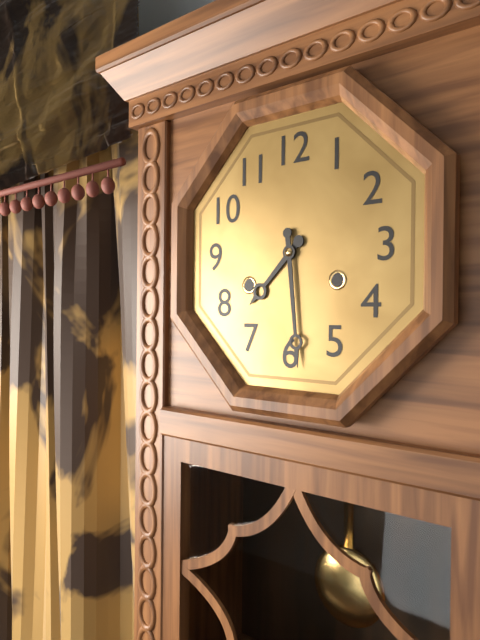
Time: h=7 m=29
